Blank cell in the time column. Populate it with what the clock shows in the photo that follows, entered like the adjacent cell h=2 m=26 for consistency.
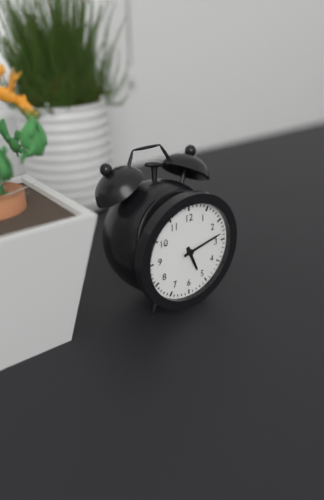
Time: h=5 m=13
